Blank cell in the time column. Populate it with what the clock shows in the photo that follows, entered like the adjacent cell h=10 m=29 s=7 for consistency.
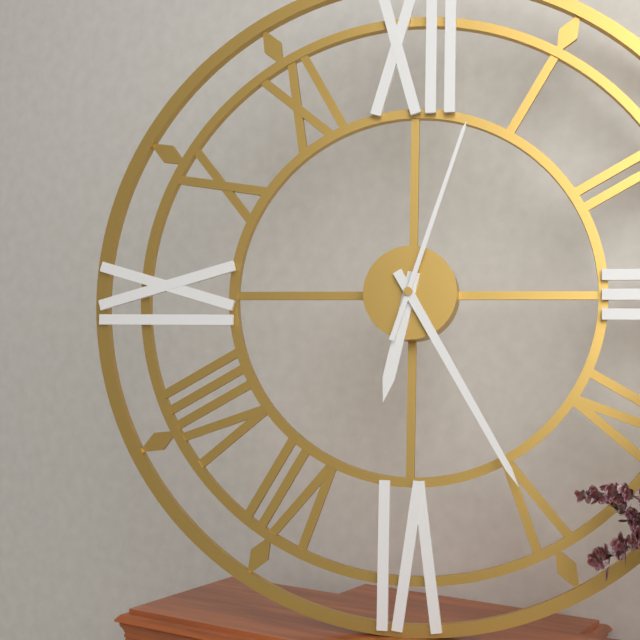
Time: h=6 m=25 s=3
